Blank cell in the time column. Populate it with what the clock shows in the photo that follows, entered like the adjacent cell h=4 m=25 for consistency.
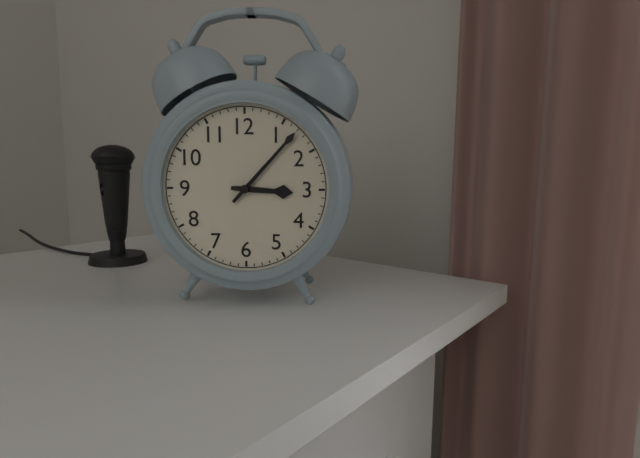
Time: h=3 m=7
